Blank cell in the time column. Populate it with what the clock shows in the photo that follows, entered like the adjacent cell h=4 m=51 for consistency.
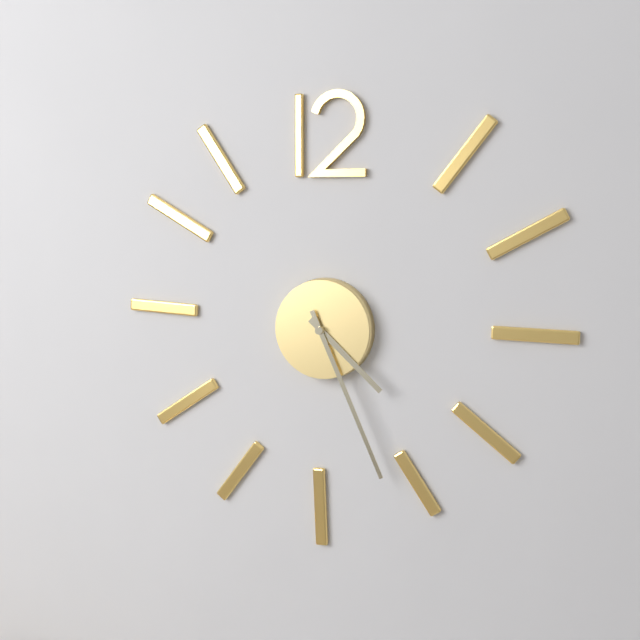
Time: h=4 m=26
